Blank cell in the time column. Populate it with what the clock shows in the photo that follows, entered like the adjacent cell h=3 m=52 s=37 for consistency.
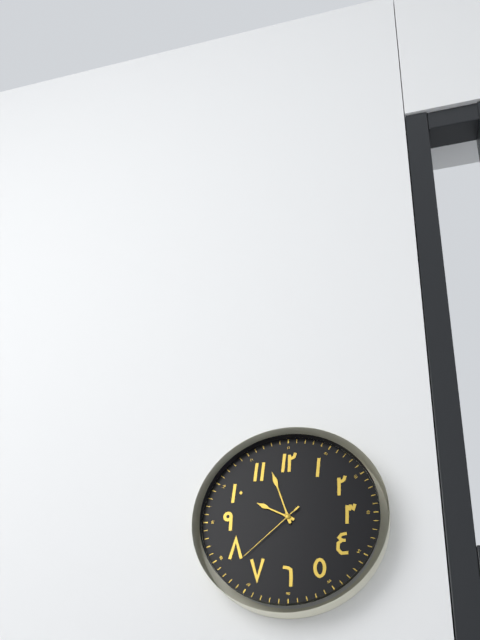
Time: h=9 m=57 s=38
